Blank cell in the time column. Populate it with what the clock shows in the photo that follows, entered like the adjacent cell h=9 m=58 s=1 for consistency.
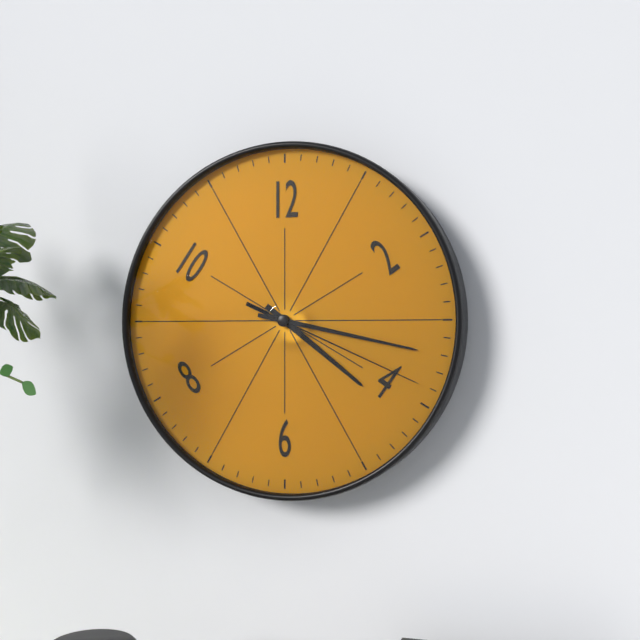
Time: h=4 m=17 s=19
